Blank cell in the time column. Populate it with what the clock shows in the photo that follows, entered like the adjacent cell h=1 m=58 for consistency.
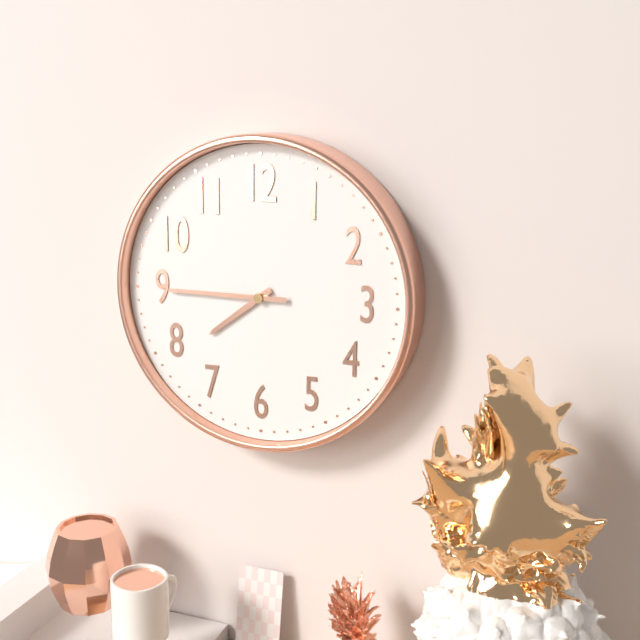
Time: h=7 m=45
